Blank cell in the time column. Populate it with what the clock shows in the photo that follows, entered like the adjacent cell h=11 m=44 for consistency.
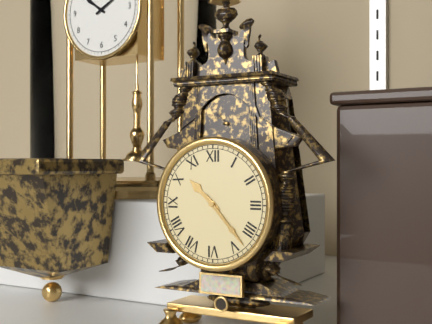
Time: h=10 m=23
